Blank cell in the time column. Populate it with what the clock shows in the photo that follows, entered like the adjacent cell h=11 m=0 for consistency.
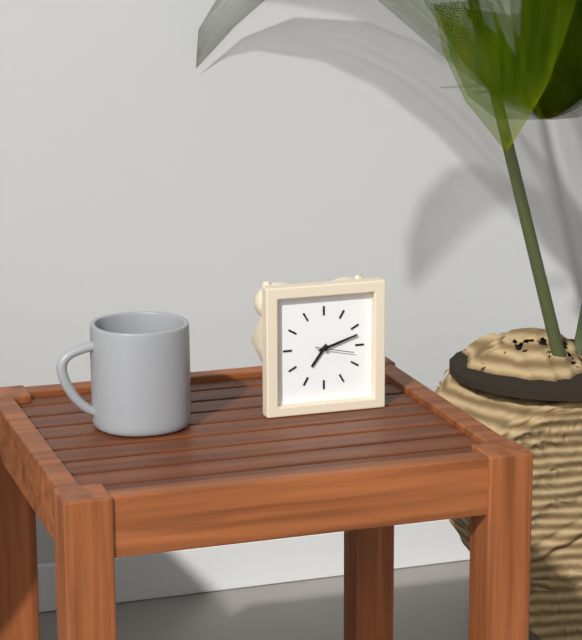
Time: h=7 m=12
